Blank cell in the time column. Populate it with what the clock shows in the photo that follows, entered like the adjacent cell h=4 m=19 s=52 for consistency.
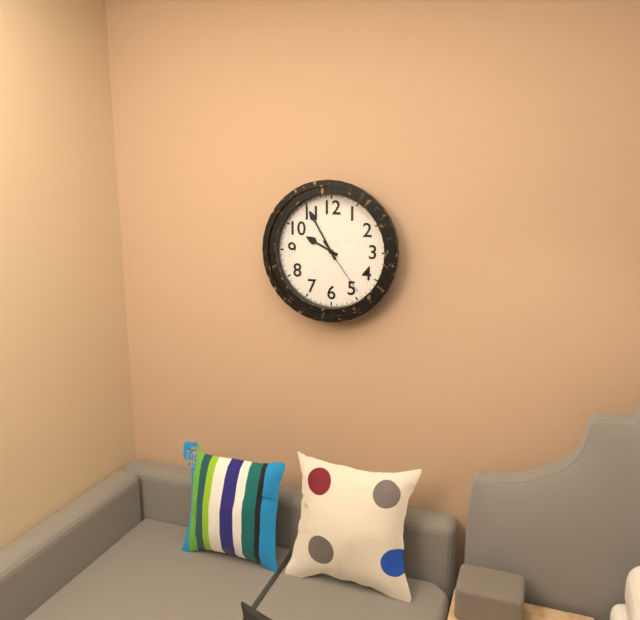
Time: h=9 m=55 s=24
